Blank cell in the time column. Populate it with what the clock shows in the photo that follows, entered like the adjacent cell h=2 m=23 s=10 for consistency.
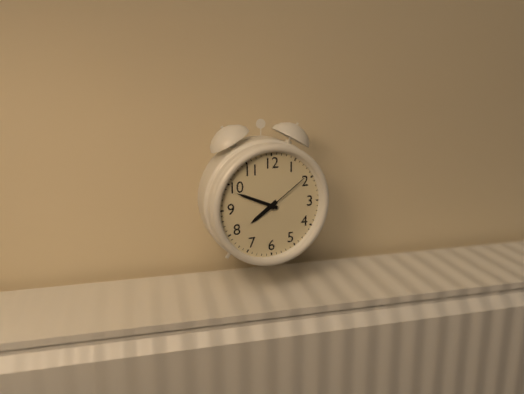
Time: h=7 m=49 s=9
